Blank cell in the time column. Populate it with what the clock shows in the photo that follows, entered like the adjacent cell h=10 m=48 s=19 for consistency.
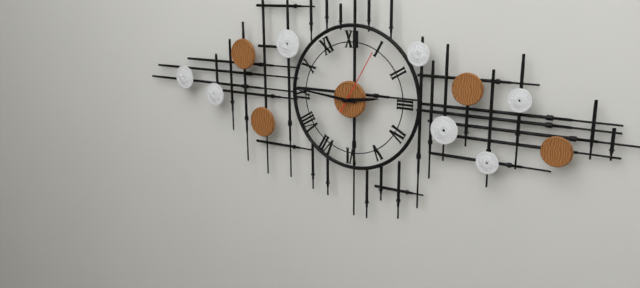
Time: h=2 m=46 s=5
